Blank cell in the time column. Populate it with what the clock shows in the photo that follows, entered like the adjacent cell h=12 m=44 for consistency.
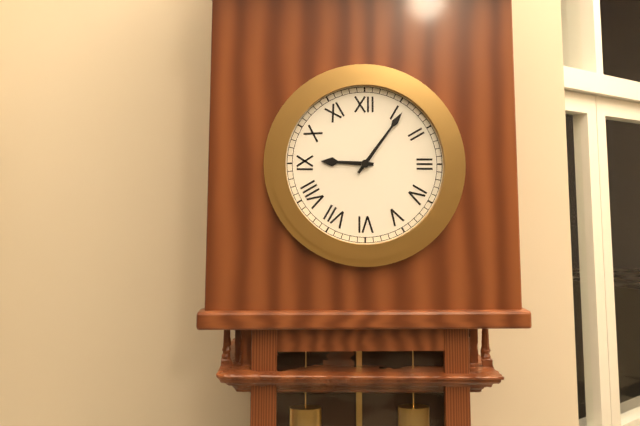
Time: h=9 m=6
